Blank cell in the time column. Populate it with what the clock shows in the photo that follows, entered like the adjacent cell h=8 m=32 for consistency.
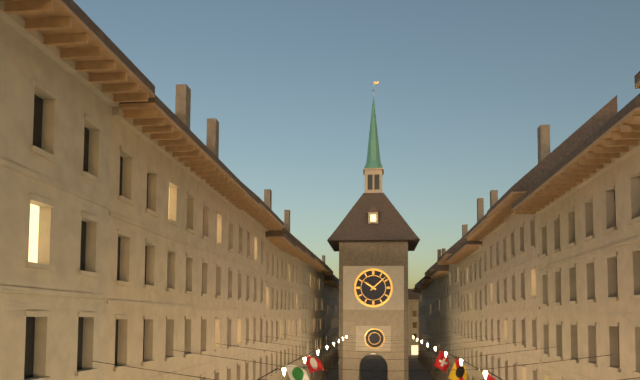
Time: h=10 m=8
